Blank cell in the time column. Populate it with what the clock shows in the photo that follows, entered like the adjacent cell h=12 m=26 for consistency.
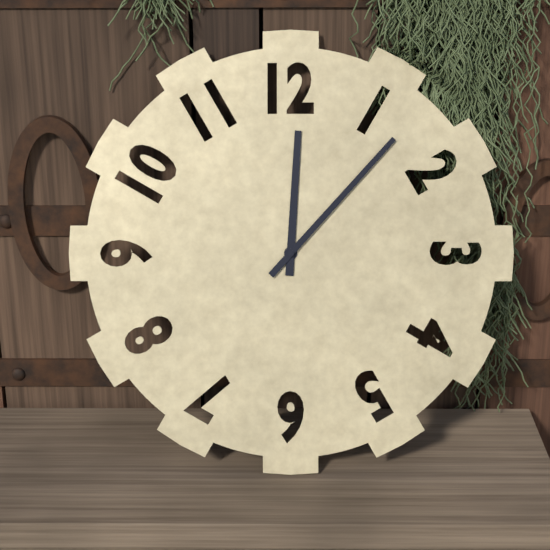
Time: h=12 m=7
